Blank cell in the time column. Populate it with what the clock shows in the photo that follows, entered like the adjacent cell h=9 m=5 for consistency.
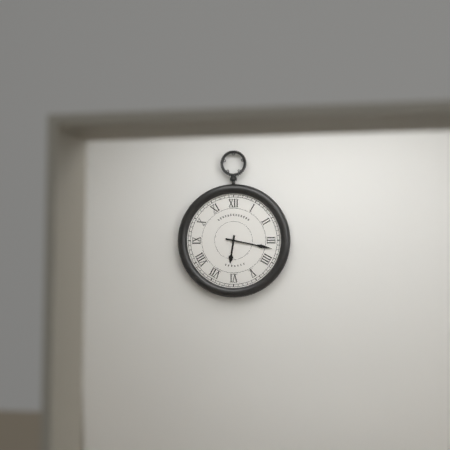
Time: h=6 m=17
